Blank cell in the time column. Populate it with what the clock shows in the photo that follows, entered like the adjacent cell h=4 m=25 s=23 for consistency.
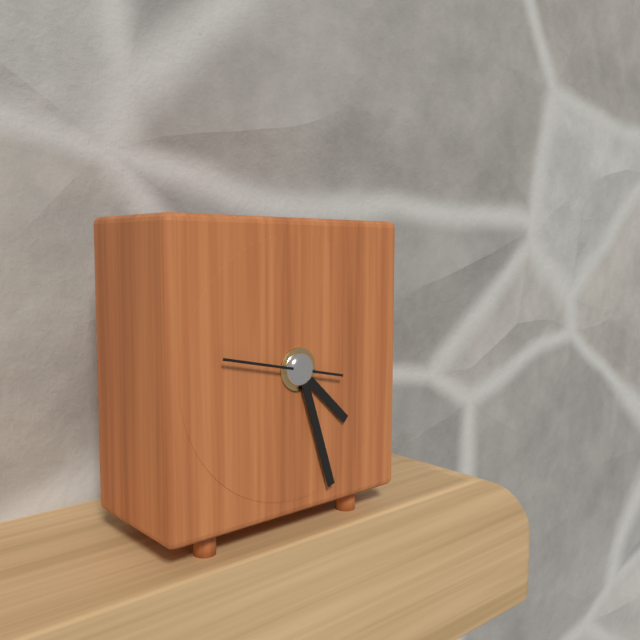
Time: h=4 m=27 s=47
